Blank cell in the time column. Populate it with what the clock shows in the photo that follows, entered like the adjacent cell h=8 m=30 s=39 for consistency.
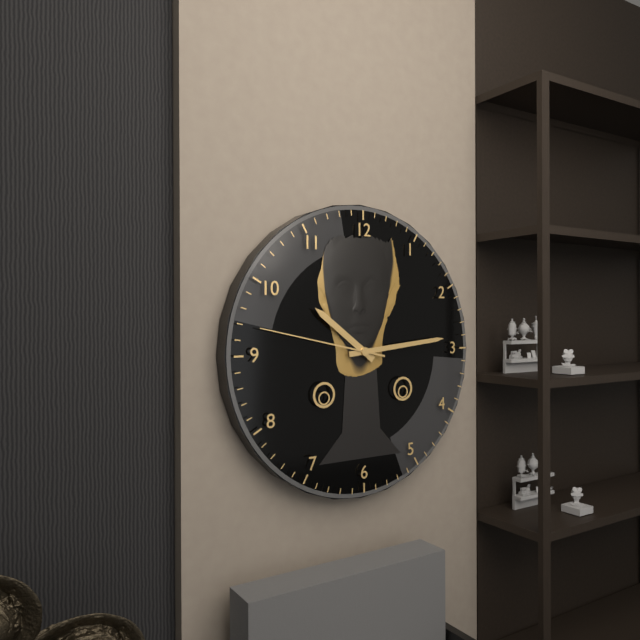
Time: h=10 m=14 s=47
